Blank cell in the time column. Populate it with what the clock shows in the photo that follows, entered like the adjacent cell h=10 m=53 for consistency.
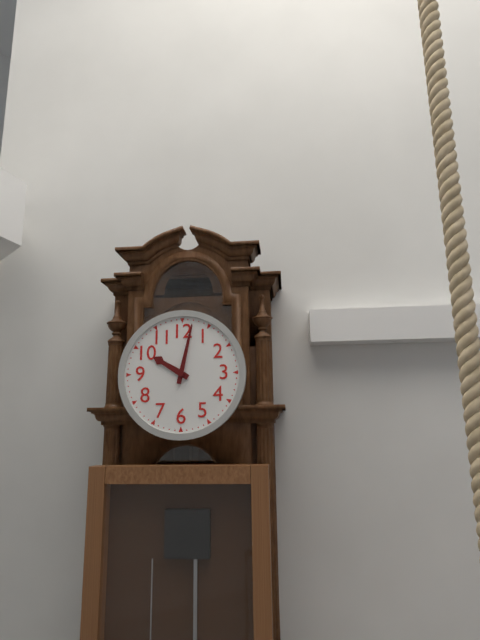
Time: h=10 m=2
